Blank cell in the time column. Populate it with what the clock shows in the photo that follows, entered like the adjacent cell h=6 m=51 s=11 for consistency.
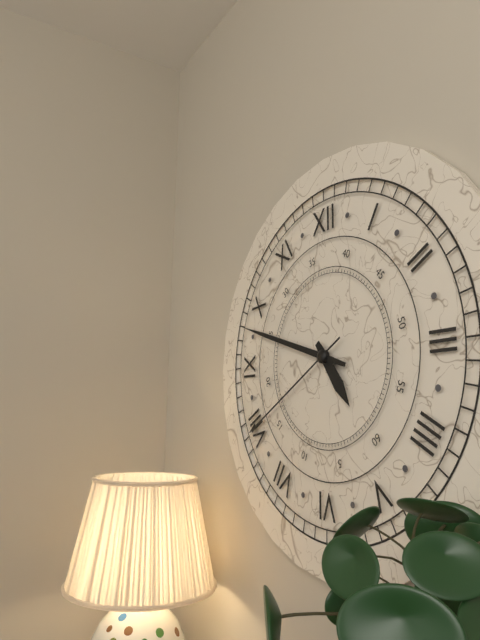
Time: h=4 m=48 s=40
